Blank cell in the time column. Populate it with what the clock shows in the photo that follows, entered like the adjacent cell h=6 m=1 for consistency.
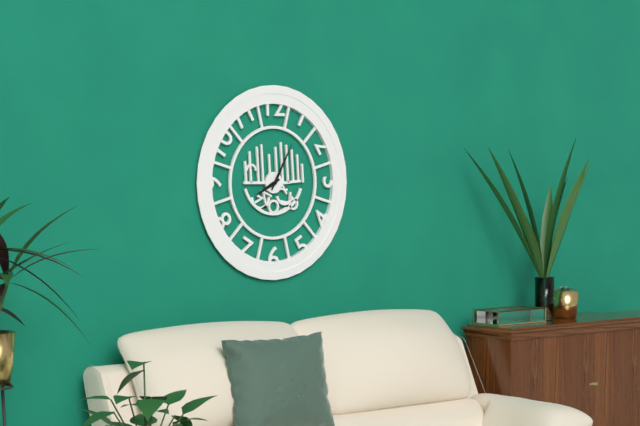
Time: h=8 m=5
